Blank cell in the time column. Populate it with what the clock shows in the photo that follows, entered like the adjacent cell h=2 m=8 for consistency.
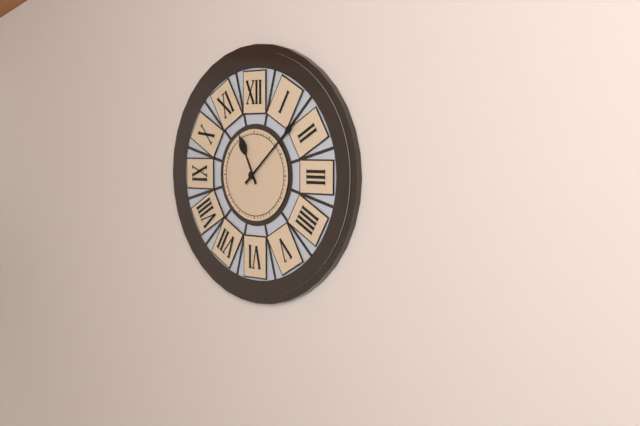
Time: h=11 m=8
